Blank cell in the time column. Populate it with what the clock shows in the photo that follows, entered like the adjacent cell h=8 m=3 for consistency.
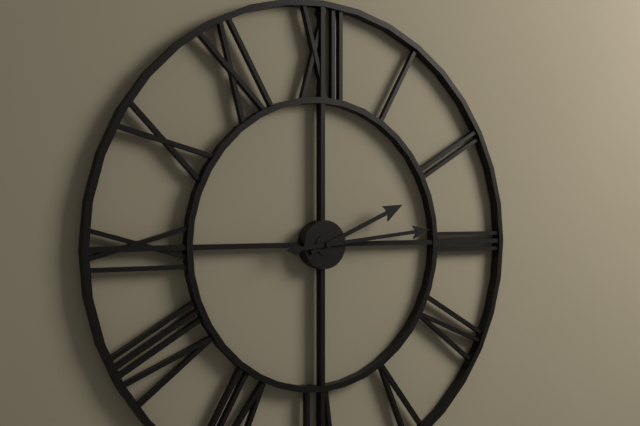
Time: h=2 m=14
